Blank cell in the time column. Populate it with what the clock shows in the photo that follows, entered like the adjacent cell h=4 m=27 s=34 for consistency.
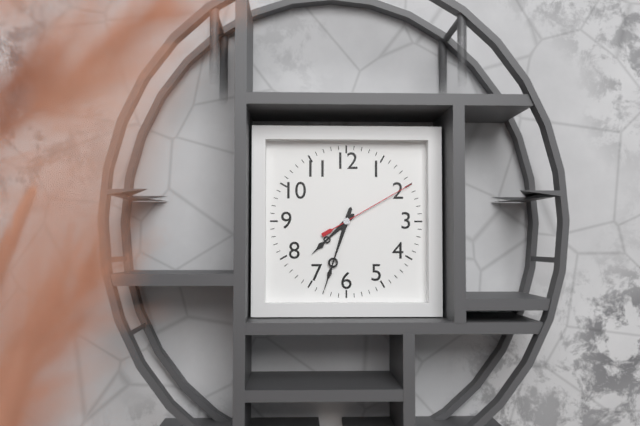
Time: h=7 m=33 s=10
